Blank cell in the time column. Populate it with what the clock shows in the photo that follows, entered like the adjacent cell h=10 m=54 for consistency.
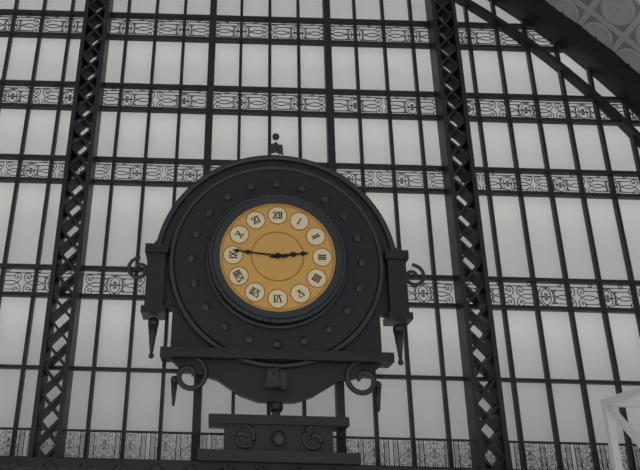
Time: h=2 m=46
